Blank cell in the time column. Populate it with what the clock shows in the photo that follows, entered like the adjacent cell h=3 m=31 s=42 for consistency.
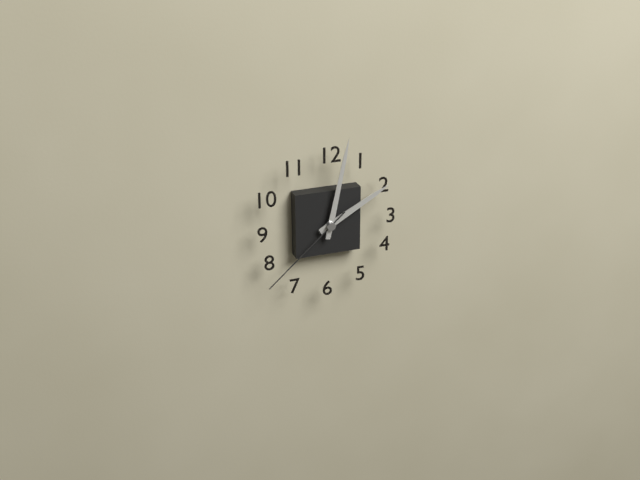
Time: h=2 m=2 s=38
